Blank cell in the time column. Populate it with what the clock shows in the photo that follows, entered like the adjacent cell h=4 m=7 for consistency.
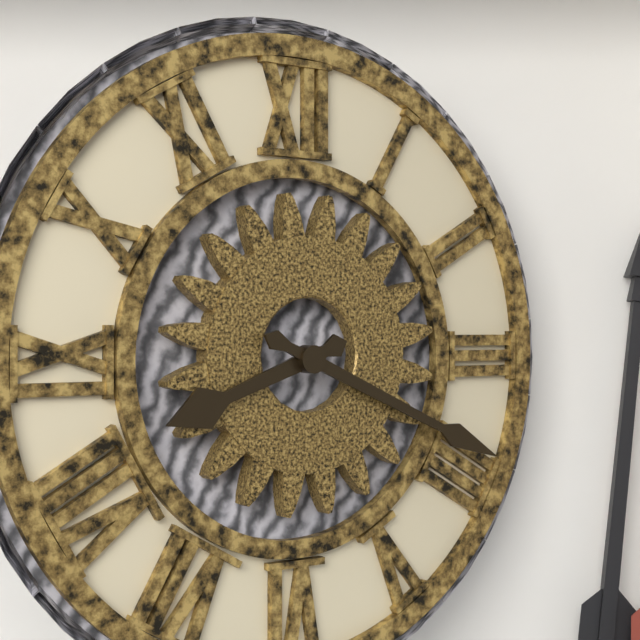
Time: h=8 m=19
